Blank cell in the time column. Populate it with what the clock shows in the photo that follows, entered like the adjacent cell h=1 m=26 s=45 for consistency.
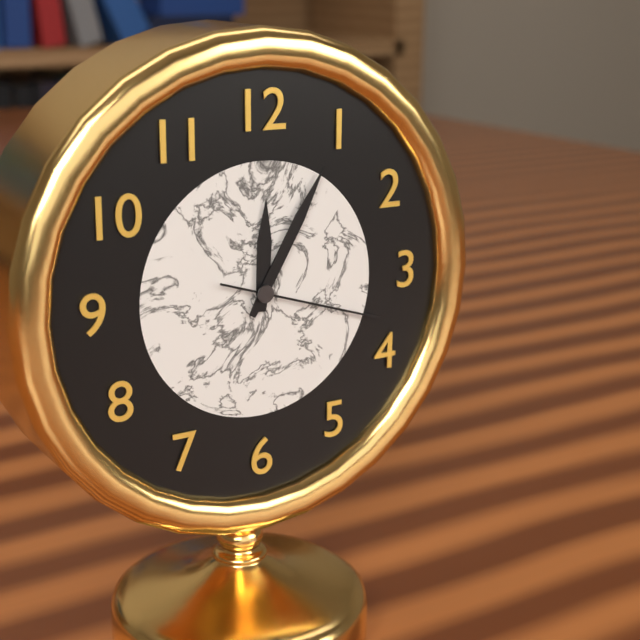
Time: h=12 m=5 s=18
